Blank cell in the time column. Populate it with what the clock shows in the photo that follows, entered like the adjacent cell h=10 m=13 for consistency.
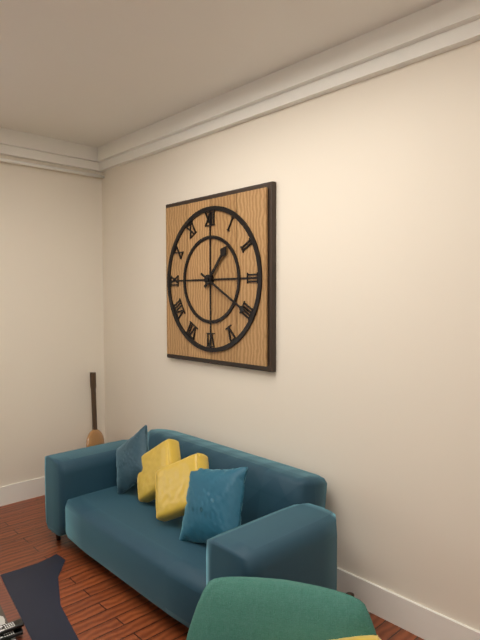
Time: h=1 m=20
